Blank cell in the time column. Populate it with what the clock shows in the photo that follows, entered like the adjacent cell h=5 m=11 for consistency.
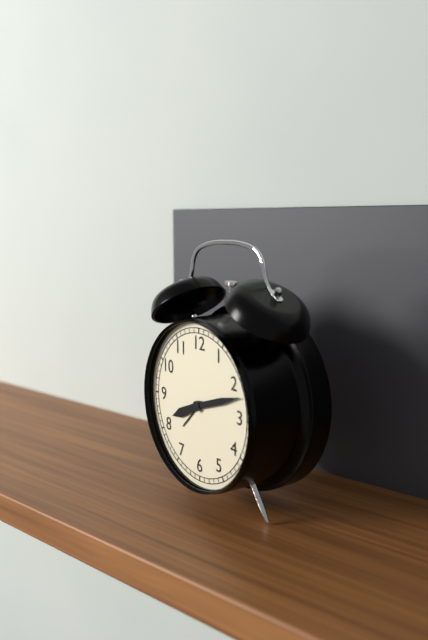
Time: h=8 m=12
